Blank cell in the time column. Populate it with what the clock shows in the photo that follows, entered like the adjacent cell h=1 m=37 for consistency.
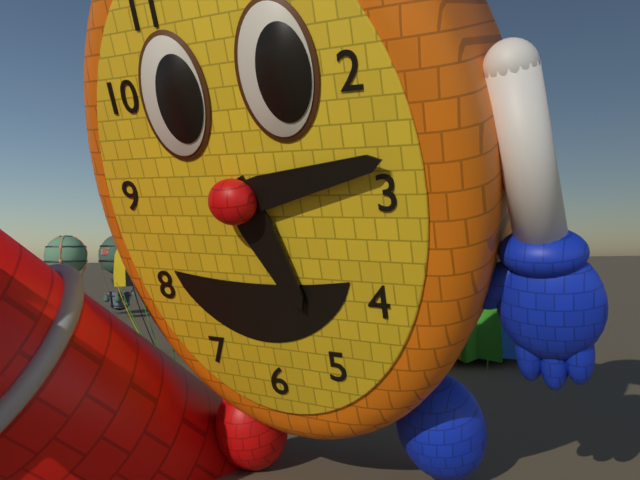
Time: h=5 m=13
